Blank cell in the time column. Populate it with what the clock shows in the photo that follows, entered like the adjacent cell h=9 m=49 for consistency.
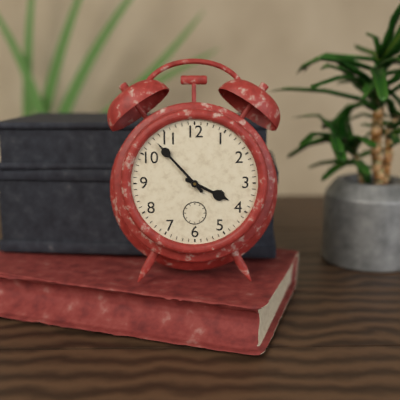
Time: h=3 m=53
